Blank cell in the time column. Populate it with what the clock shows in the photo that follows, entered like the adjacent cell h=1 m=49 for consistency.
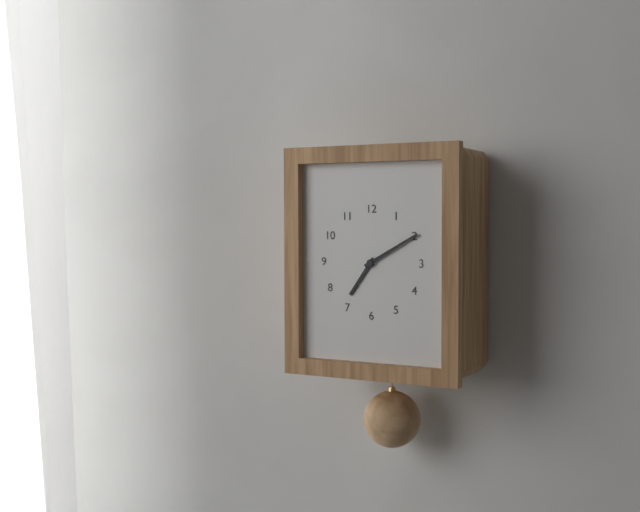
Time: h=7 m=10
